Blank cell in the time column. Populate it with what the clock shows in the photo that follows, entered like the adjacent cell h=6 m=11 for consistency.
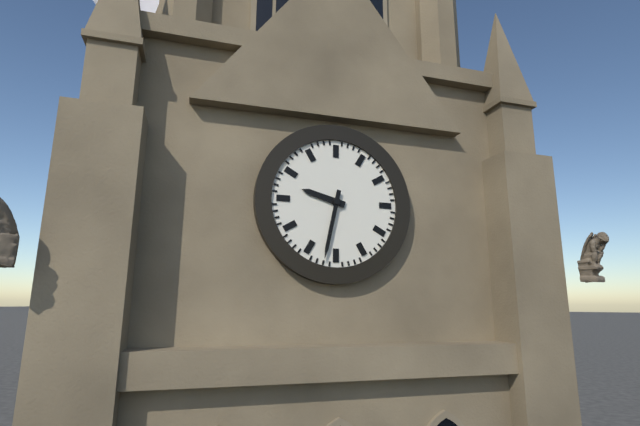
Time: h=9 m=32
